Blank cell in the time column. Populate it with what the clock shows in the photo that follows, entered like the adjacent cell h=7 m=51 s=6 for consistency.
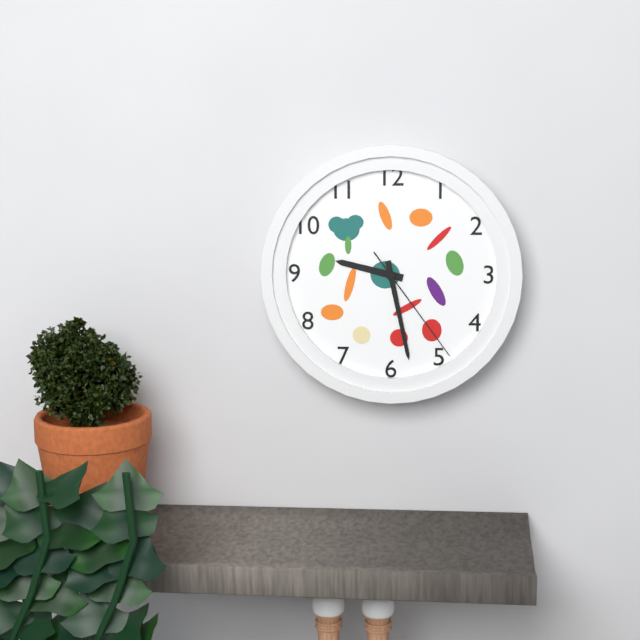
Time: h=9 m=28 s=24
